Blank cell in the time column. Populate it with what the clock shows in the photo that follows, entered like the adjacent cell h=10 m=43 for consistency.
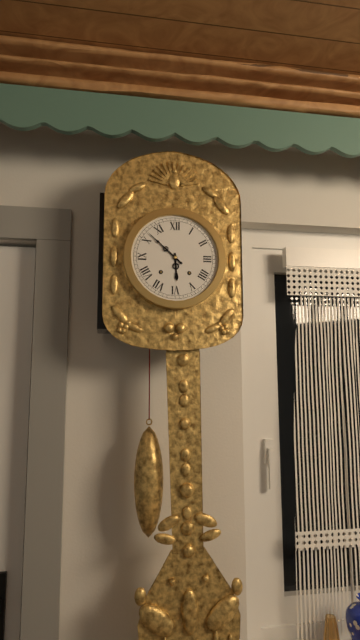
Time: h=5 m=52
